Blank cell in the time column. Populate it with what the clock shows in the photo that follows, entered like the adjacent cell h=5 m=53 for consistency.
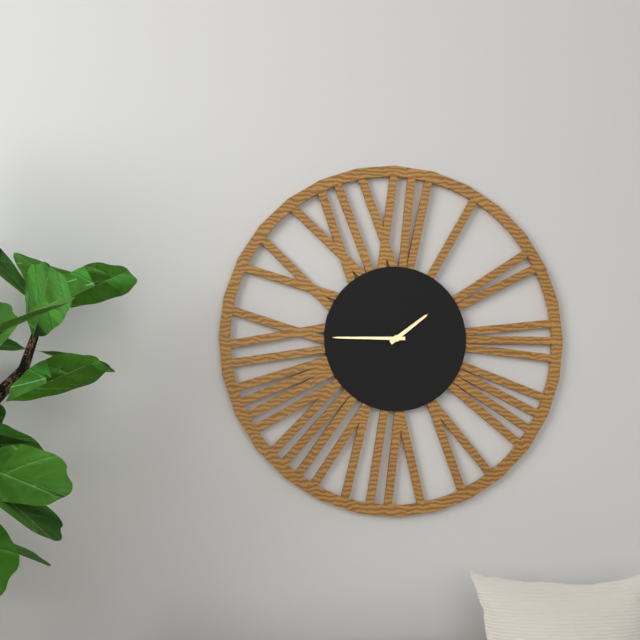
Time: h=1 m=45
